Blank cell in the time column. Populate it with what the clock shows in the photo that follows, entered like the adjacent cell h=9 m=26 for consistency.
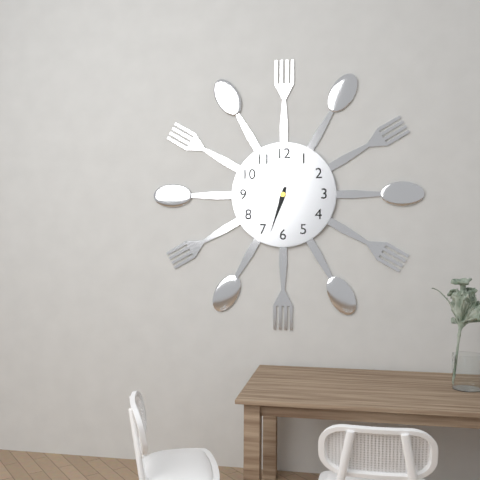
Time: h=6 m=33
